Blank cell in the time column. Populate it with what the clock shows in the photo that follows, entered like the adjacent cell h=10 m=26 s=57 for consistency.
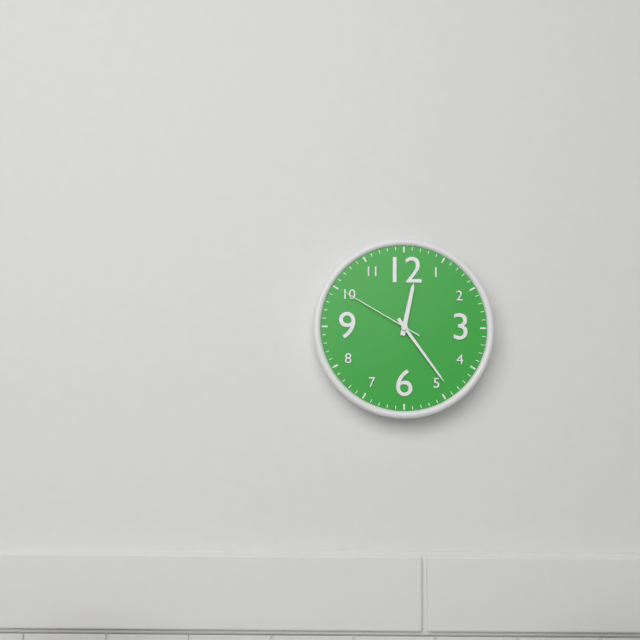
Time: h=12 m=24 s=50
